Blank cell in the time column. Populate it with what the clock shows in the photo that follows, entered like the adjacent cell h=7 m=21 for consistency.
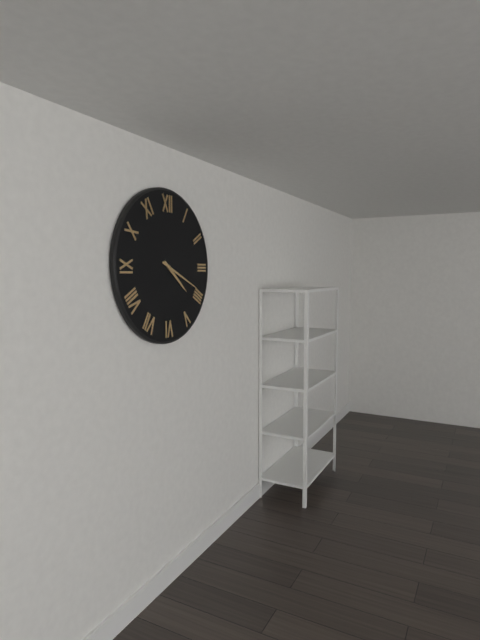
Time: h=4 m=19
